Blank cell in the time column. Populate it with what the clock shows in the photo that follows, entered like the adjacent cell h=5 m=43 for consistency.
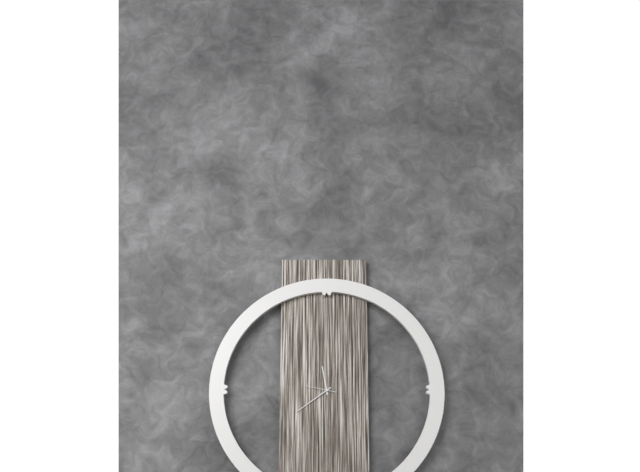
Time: h=11 m=39
